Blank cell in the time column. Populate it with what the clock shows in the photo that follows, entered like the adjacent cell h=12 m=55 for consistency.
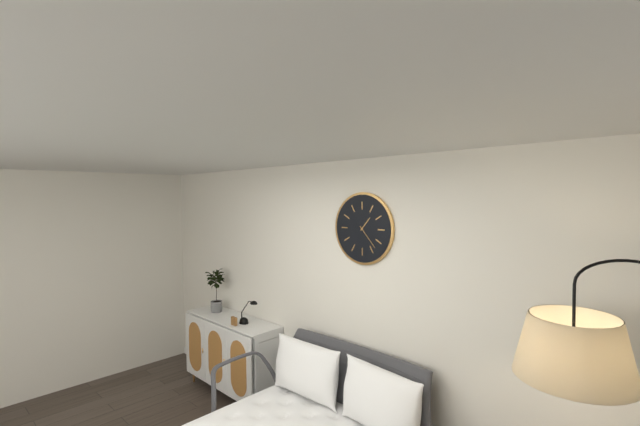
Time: h=1 m=23
